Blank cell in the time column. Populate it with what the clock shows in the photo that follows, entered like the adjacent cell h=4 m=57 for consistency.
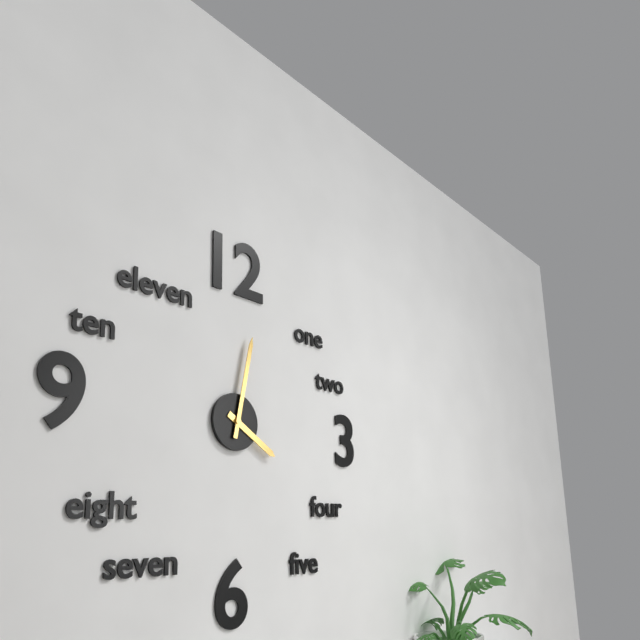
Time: h=4 m=2
